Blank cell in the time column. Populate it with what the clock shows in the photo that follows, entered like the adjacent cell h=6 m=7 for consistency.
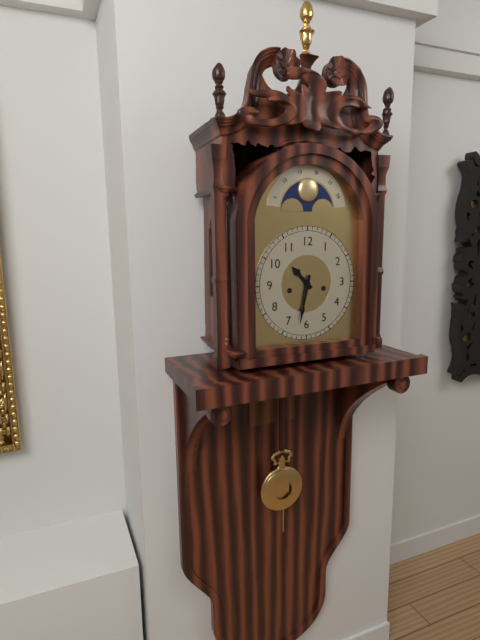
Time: h=10 m=32
